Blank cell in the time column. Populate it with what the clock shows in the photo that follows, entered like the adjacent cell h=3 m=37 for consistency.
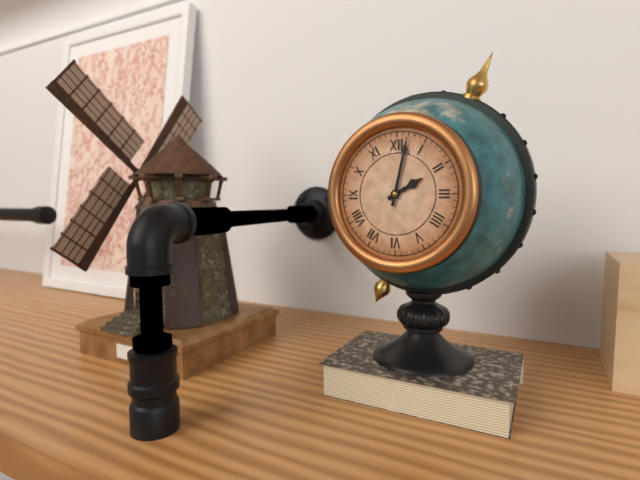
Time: h=2 m=2
